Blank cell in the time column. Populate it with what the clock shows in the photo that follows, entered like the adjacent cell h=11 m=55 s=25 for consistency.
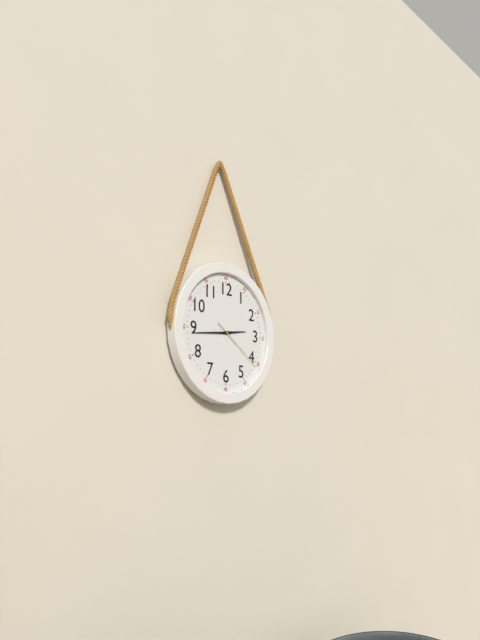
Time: h=2 m=44 s=21
